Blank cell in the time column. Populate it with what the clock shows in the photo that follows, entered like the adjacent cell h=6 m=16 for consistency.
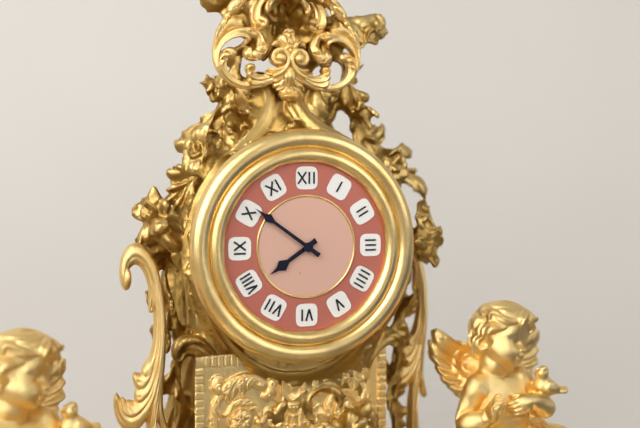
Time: h=7 m=51
